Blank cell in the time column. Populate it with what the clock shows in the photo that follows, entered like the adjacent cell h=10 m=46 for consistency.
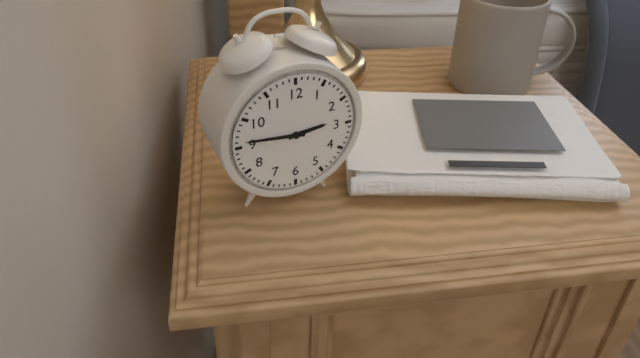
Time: h=2 m=46
